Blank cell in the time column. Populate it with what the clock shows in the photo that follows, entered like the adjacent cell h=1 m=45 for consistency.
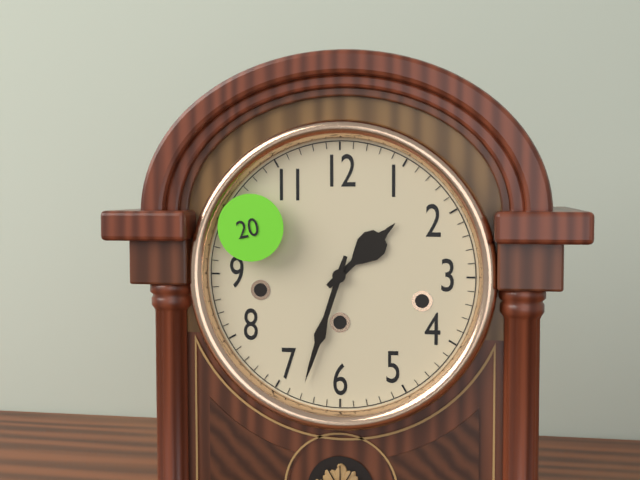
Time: h=1 m=33
